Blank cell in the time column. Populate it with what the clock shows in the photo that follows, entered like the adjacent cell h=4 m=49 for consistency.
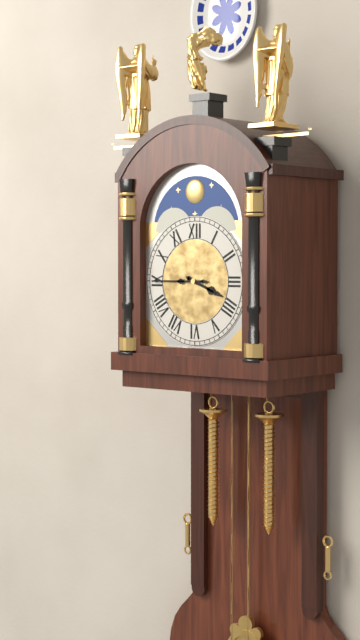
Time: h=3 m=45
